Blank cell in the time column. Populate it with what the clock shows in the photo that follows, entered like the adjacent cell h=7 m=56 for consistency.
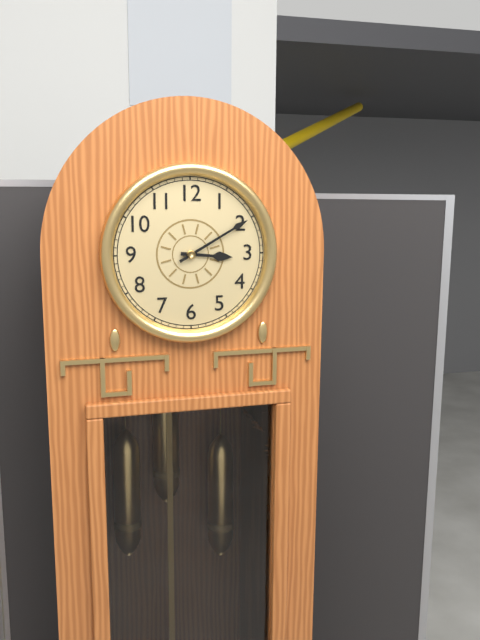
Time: h=3 m=10
